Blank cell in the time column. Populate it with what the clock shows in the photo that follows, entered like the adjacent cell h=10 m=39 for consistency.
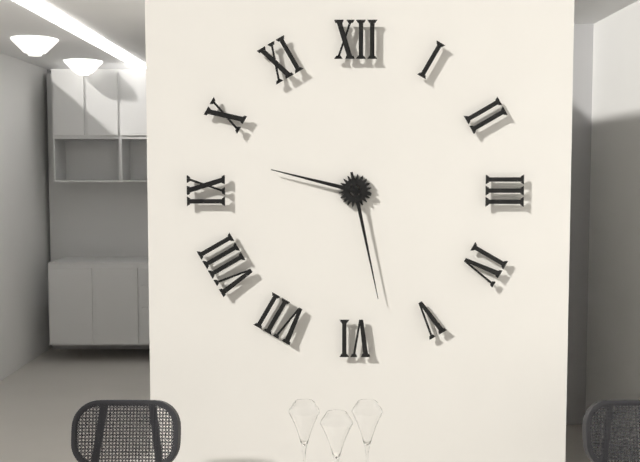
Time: h=9 m=28
